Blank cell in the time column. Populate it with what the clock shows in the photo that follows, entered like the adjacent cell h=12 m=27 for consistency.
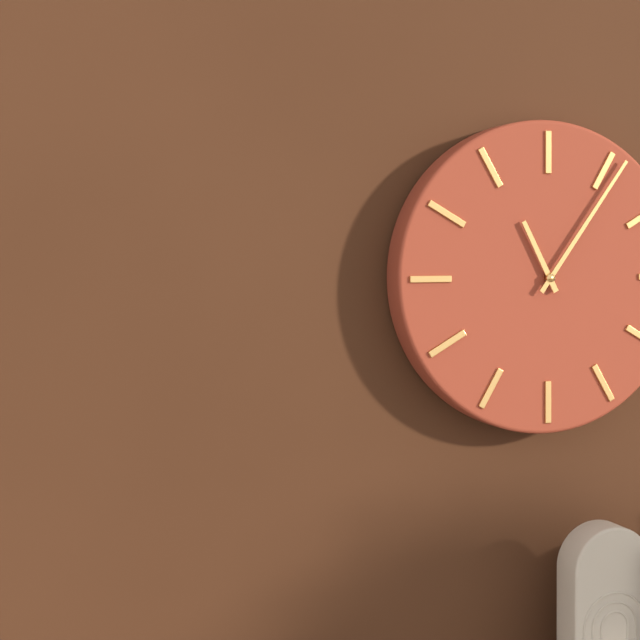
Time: h=11 m=6
